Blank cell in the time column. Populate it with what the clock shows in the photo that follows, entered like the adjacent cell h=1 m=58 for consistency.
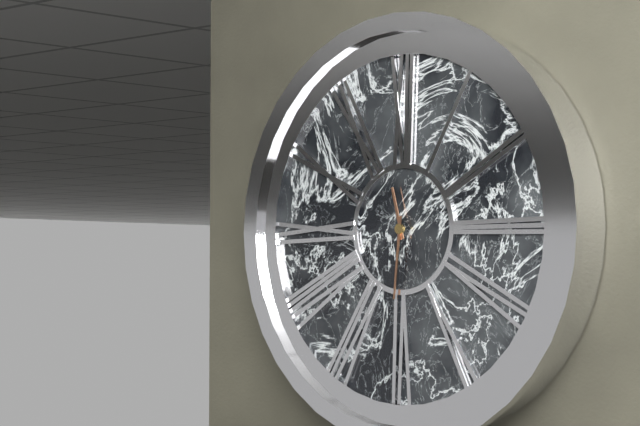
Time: h=11 m=31
